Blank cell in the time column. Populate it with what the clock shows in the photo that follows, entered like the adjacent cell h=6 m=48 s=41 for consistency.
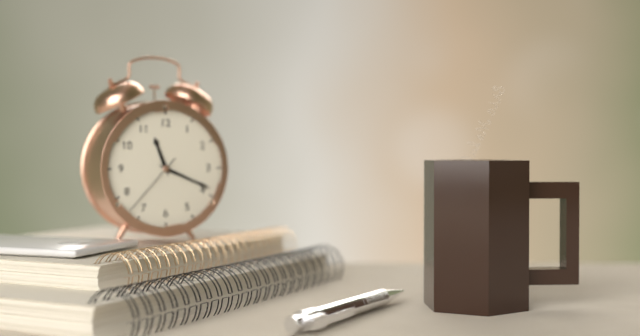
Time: h=11 m=19 s=37
